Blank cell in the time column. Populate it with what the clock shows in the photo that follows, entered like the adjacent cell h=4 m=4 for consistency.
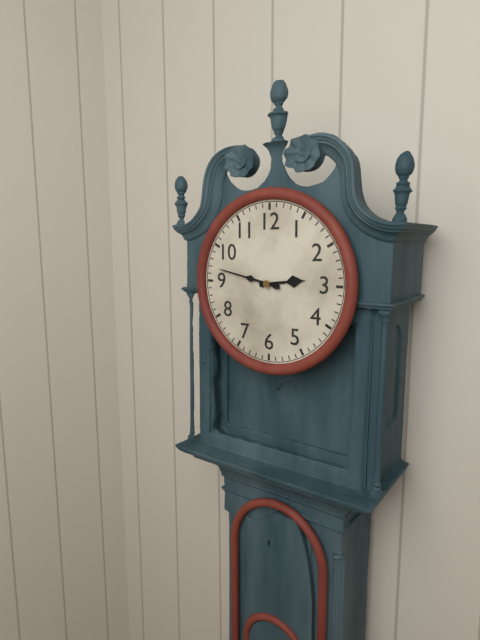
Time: h=2 m=47
